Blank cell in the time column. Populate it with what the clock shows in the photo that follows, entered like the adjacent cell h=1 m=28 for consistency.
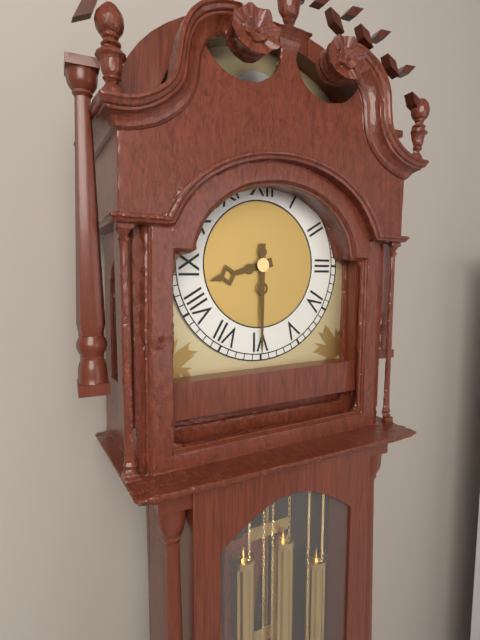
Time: h=8 m=30
